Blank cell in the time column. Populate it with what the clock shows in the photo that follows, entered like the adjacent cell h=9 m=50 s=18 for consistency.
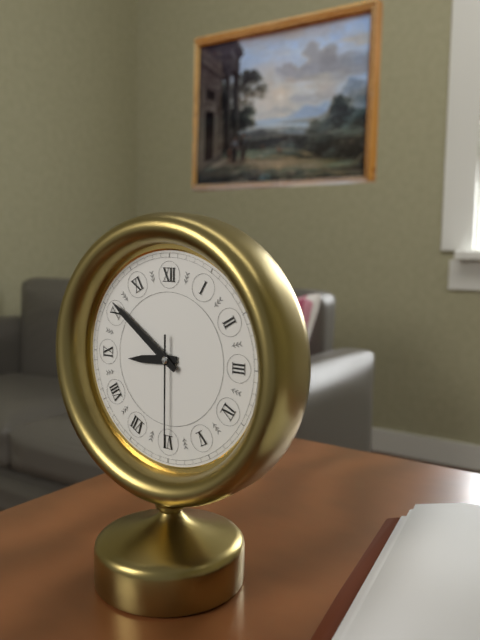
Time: h=8 m=51 s=30
